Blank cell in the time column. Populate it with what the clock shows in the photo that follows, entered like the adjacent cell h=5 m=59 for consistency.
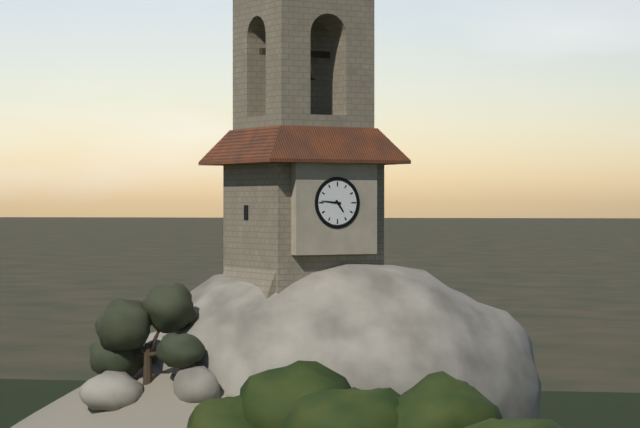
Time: h=4 m=46
